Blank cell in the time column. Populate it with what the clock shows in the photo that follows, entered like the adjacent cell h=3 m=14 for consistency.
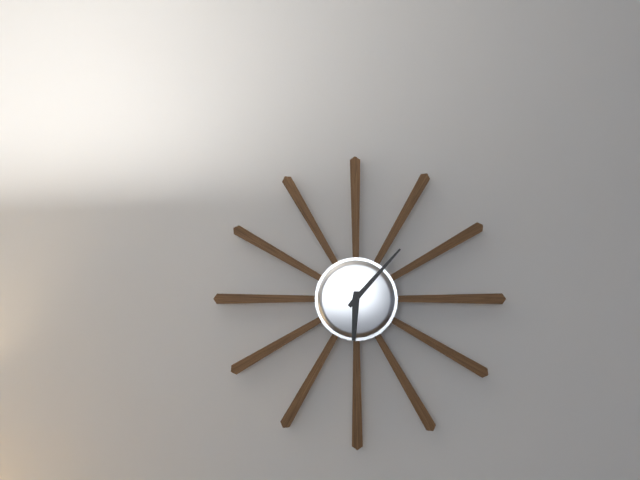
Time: h=6 m=7
